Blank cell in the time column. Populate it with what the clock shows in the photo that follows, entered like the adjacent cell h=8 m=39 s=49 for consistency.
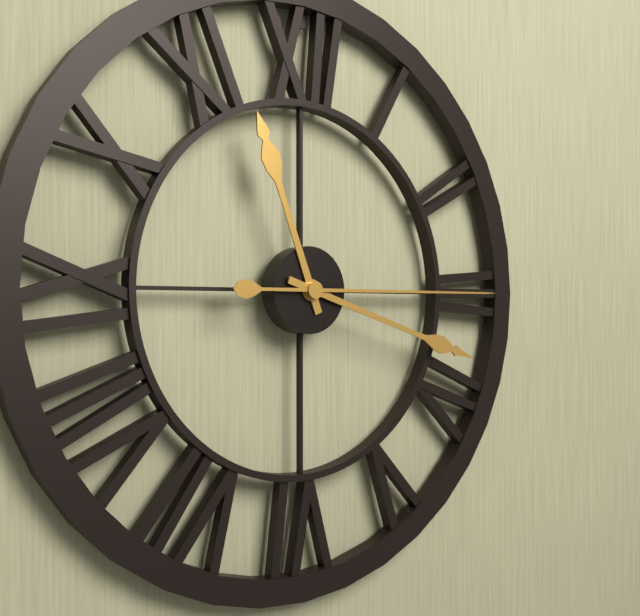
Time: h=11 m=18 s=15
